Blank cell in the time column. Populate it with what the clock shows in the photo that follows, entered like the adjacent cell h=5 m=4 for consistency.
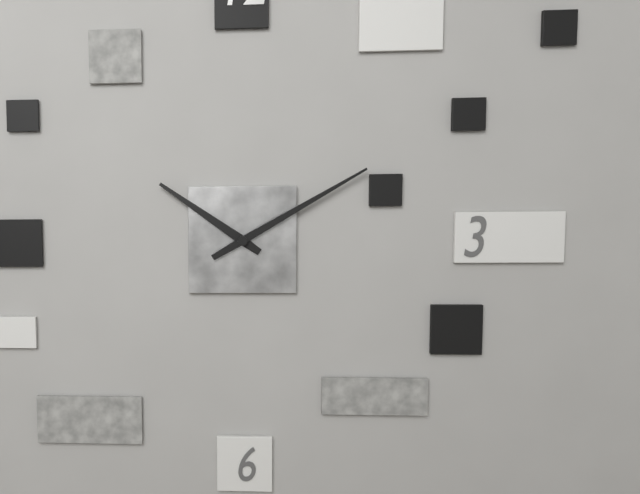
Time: h=10 m=10
